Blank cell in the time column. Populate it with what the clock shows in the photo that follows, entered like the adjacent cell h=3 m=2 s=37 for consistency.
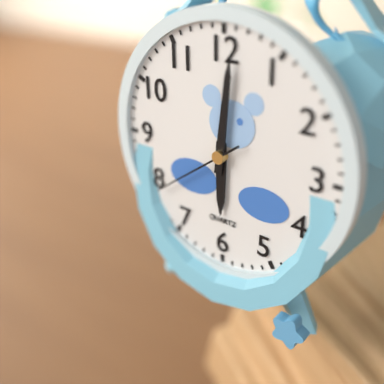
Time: h=6 m=1 s=39
